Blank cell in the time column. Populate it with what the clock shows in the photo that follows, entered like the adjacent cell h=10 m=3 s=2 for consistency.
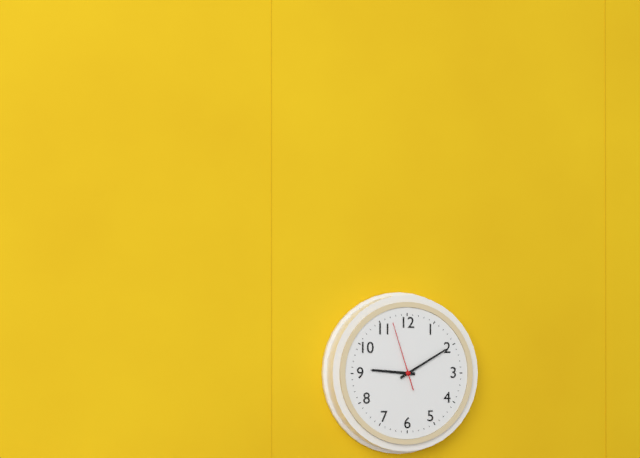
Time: h=9 m=10 s=57
